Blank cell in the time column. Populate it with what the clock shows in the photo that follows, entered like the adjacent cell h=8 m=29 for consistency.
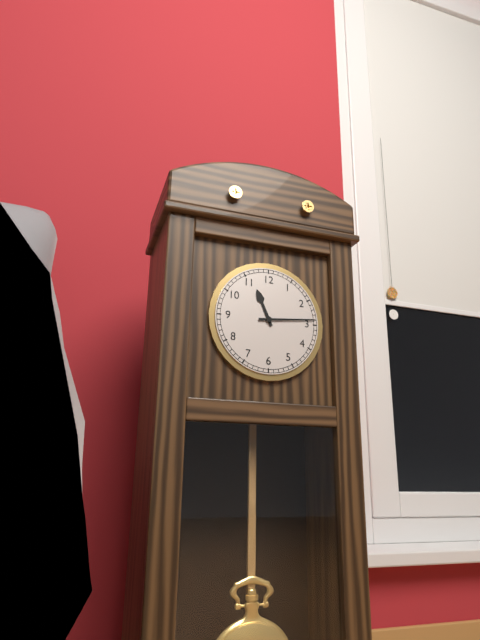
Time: h=11 m=14
